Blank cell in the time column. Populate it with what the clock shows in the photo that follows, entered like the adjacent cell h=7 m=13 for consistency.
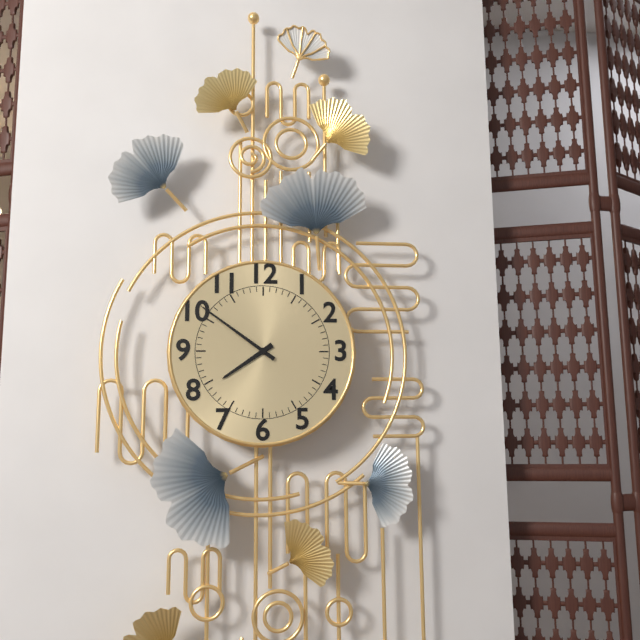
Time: h=7 m=51
